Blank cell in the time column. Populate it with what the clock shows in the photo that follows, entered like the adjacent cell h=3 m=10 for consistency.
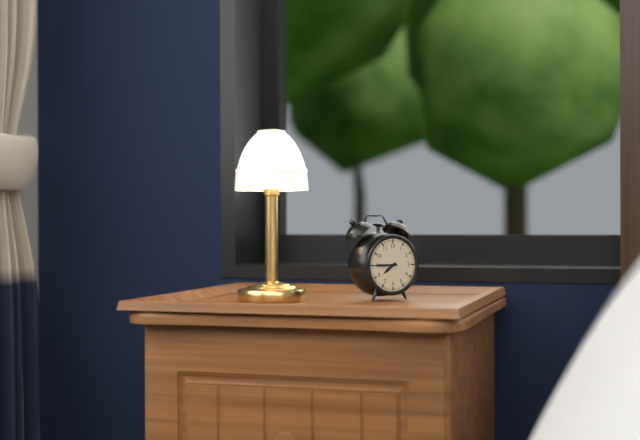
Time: h=7 m=45
